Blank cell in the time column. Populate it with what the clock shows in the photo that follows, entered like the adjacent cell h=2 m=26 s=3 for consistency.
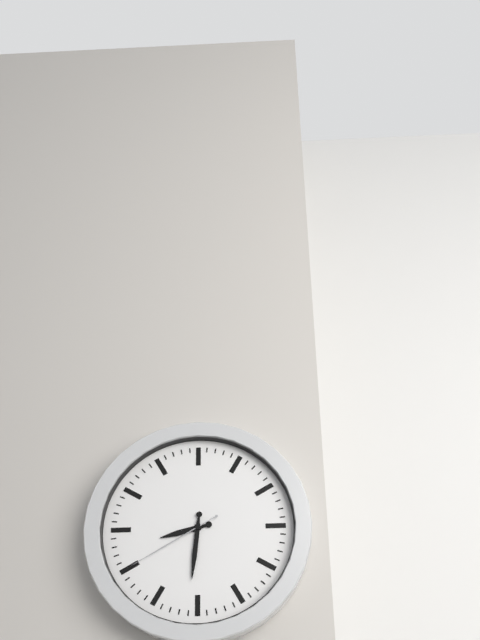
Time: h=8 m=31 s=40
